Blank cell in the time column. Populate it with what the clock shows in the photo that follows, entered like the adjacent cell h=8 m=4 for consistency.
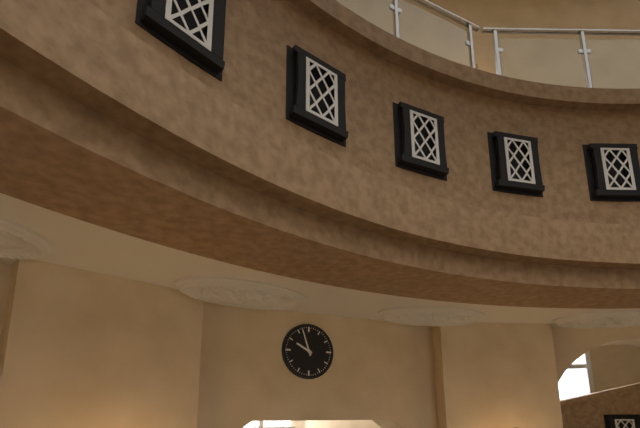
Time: h=9 m=57
